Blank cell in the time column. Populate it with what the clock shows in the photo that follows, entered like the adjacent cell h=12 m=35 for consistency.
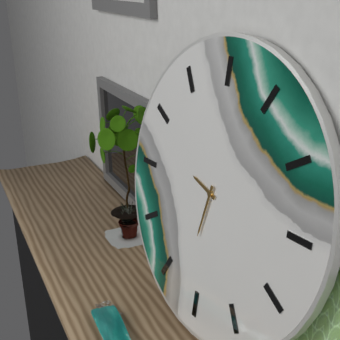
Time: h=9 m=32
